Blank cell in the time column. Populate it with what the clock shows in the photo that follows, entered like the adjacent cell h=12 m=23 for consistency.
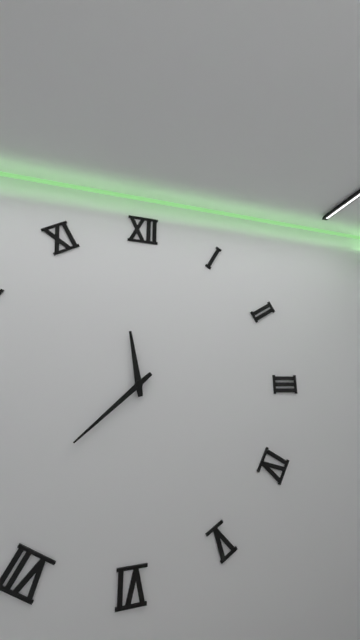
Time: h=11 m=38
